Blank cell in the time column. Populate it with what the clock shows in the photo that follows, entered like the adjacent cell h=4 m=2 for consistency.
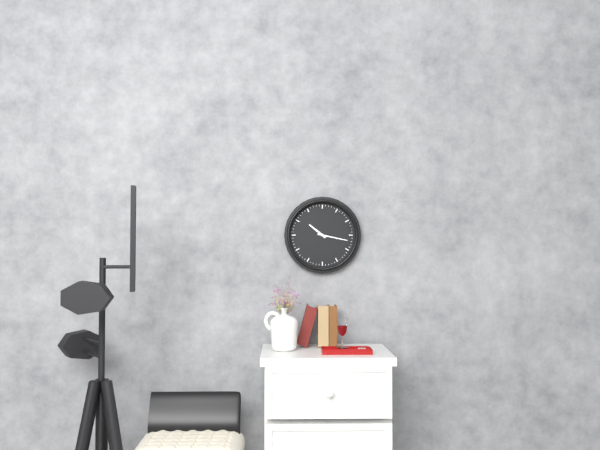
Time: h=10 m=17
